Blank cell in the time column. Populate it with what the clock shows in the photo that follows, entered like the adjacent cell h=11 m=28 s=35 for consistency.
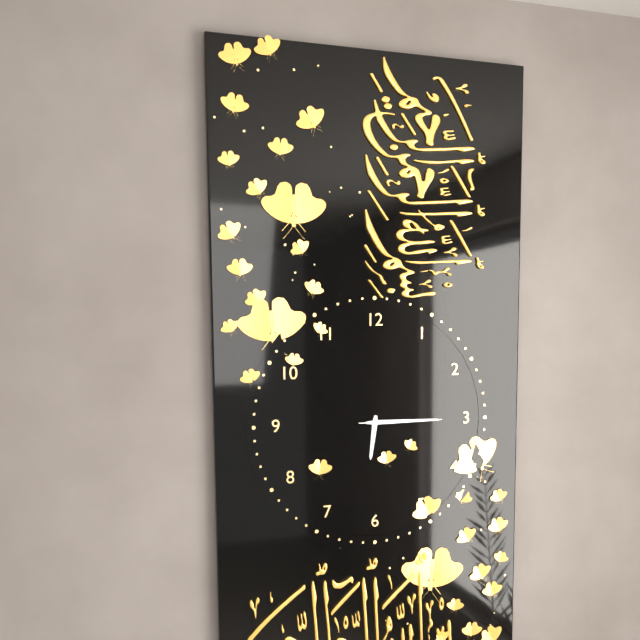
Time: h=6 m=15 s=15
